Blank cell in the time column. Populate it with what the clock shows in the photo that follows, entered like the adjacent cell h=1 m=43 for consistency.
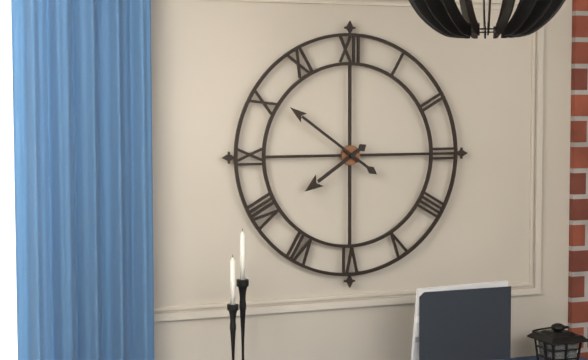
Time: h=7 m=51
